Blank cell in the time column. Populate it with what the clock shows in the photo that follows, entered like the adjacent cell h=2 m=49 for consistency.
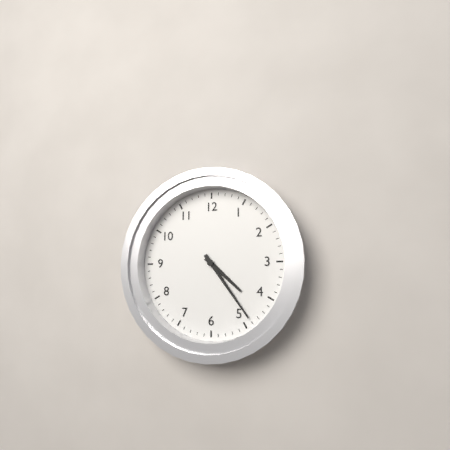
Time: h=4 m=24
